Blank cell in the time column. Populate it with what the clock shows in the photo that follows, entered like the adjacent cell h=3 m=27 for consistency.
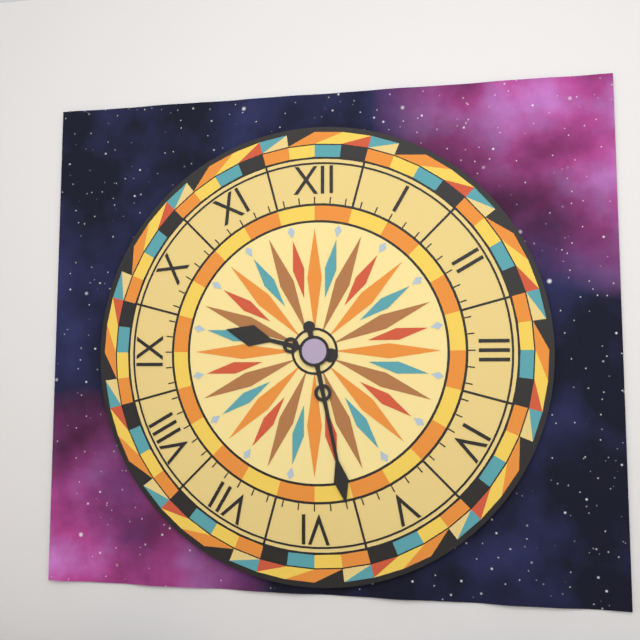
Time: h=9 m=28
